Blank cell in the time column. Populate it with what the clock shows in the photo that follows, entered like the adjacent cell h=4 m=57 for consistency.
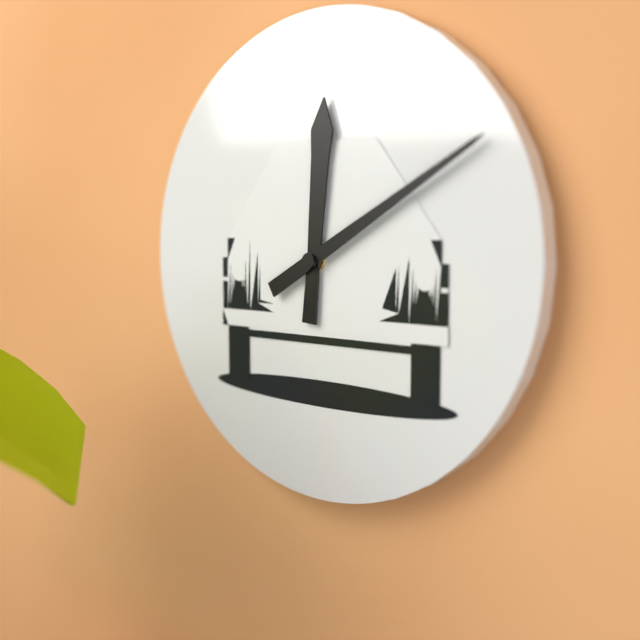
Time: h=12 m=10
